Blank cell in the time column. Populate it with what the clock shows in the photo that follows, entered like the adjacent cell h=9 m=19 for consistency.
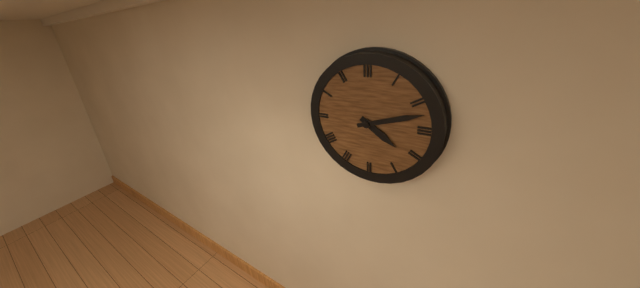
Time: h=4 m=12
